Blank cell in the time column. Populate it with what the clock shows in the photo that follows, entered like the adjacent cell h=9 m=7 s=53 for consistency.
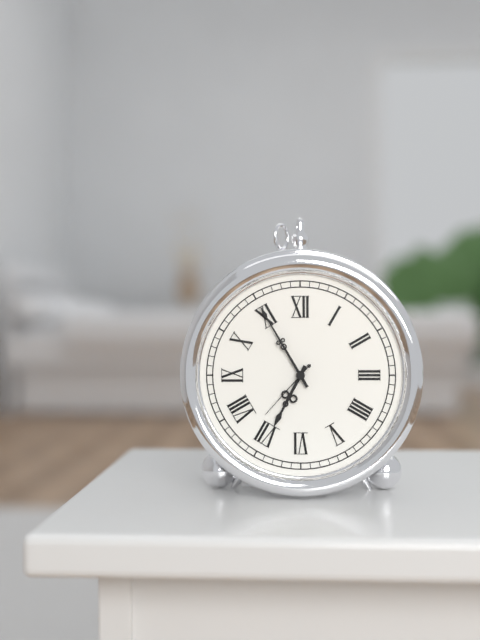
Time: h=6 m=55 s=37
